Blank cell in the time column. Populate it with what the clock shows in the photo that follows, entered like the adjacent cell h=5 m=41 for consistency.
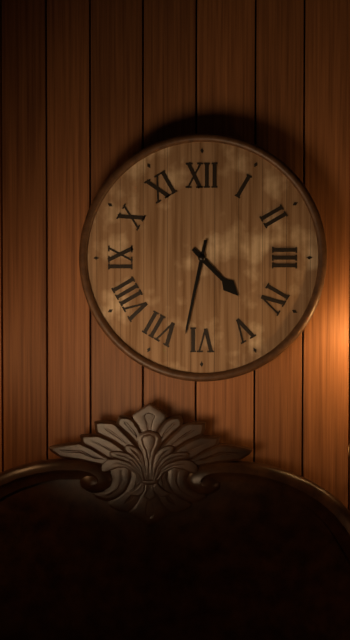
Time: h=4 m=32
